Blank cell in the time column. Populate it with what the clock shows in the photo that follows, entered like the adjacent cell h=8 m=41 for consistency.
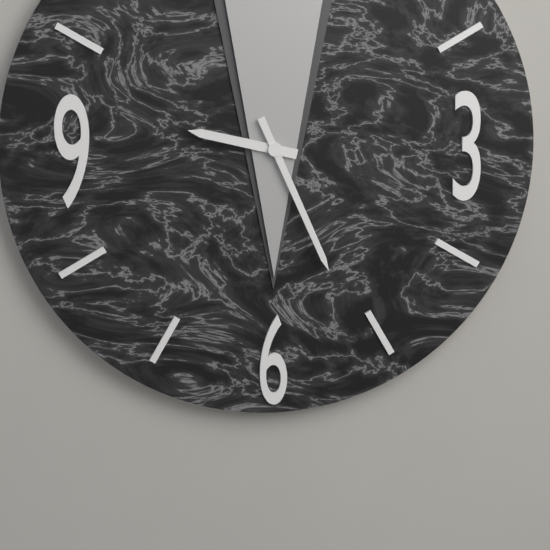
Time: h=9 m=26
